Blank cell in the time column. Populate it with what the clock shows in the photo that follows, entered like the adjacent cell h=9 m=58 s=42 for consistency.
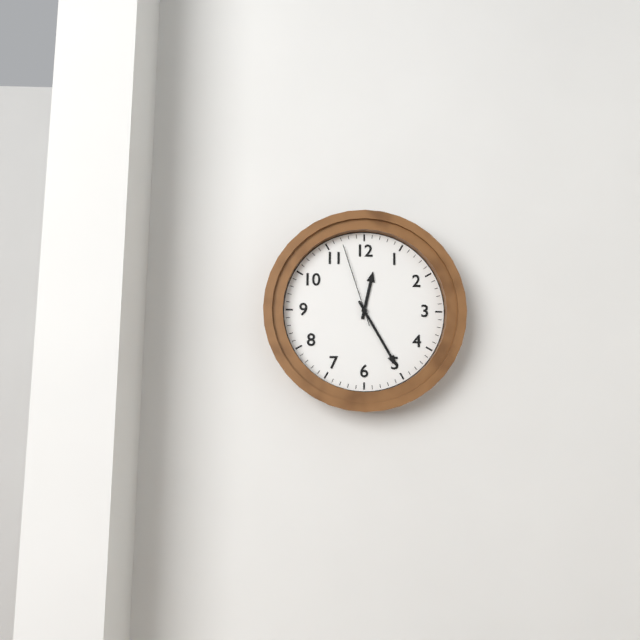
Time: h=12 m=25 s=57
